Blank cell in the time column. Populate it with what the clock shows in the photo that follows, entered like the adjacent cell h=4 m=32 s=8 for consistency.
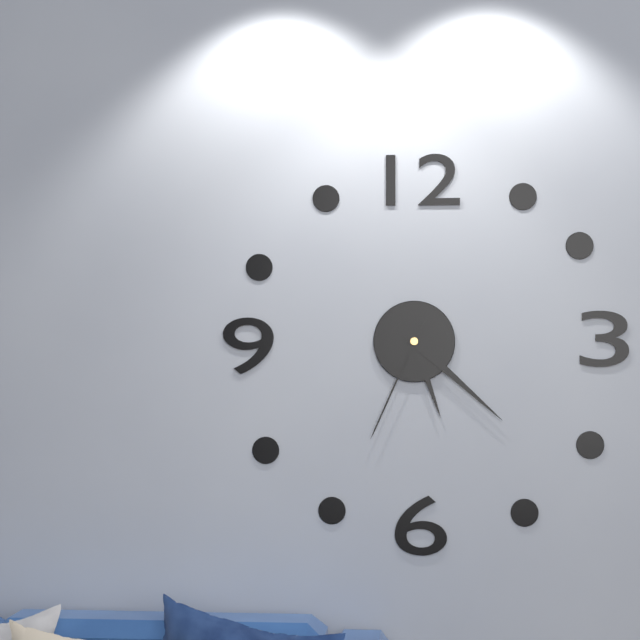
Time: h=5 m=22 s=34
